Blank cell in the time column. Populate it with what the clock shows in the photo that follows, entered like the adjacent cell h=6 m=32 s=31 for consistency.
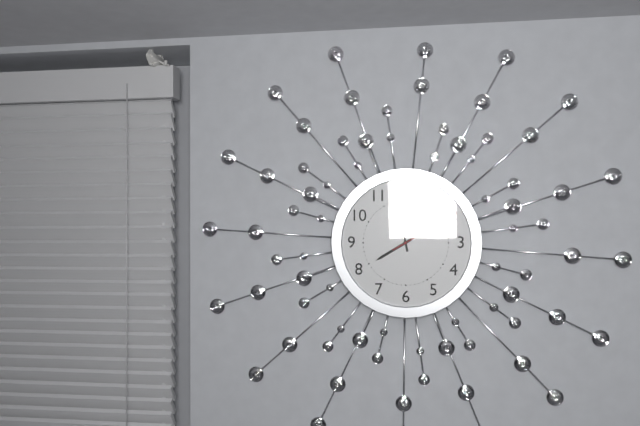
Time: h=7 m=58 s=10
